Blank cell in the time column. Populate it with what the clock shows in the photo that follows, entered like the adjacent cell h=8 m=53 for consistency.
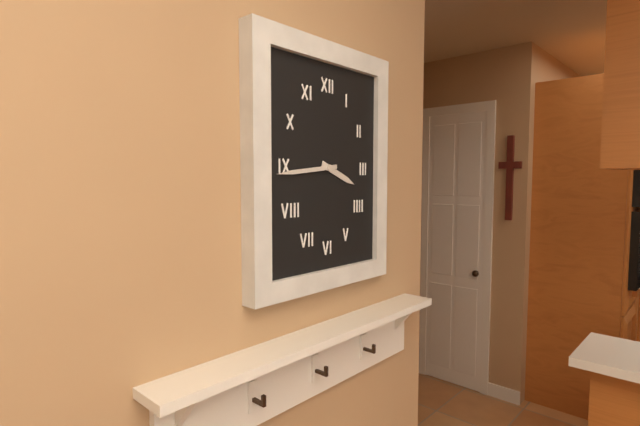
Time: h=3 m=44
